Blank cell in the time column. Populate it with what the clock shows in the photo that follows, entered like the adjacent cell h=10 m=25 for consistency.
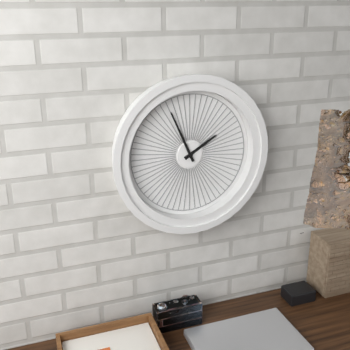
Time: h=1 m=56
